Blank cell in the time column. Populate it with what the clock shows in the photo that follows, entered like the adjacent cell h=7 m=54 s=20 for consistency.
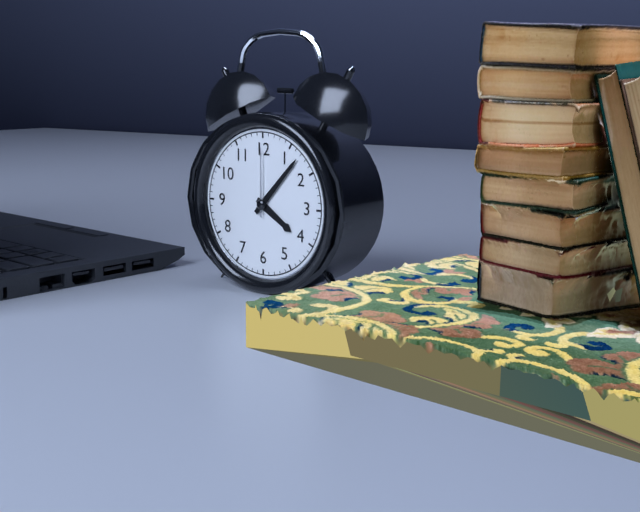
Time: h=4 m=7 s=0
